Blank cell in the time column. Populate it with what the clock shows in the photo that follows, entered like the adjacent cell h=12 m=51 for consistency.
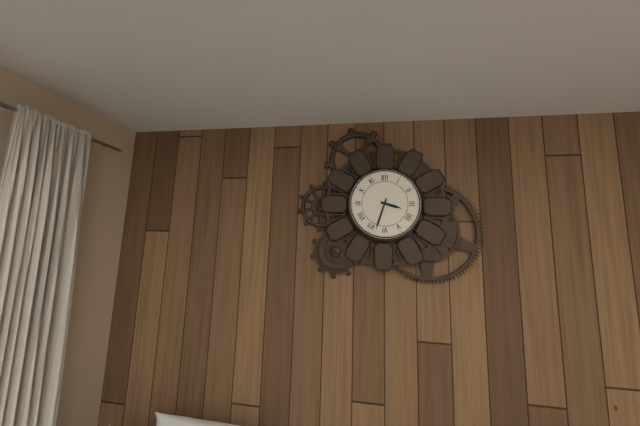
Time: h=3 m=33
